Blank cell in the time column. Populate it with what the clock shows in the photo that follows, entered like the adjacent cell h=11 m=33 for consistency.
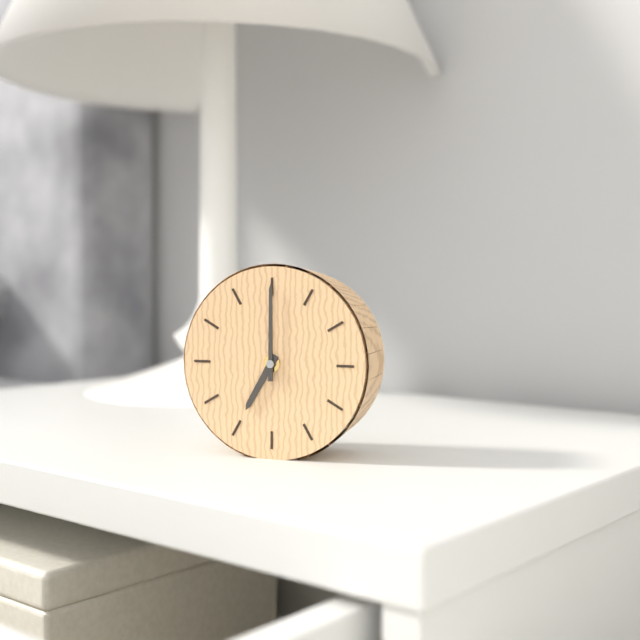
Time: h=7 m=0
